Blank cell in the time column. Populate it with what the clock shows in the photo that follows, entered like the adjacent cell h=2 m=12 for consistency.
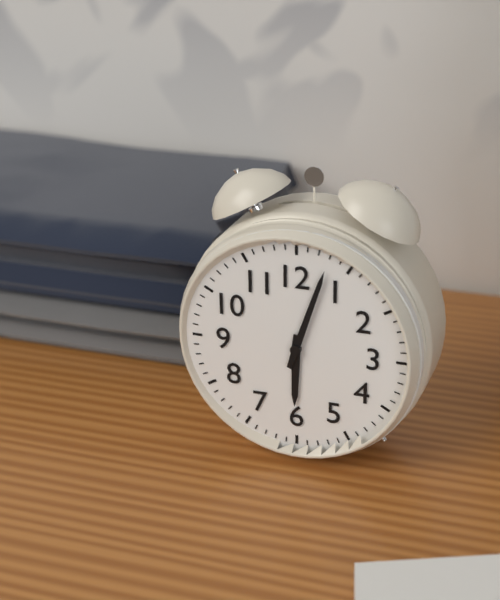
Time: h=6 m=3
